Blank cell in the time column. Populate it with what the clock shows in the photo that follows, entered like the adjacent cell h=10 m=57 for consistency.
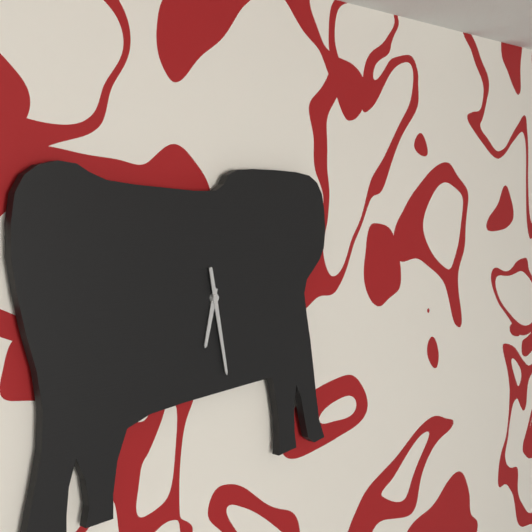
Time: h=6 m=28
